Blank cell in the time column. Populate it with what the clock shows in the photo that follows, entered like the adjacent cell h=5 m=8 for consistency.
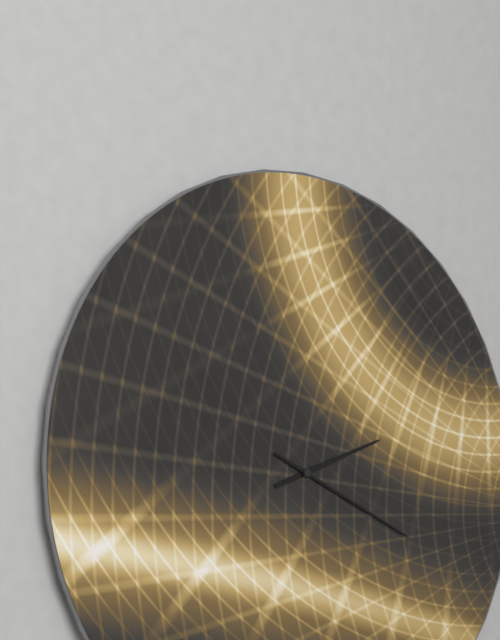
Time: h=2 m=19
